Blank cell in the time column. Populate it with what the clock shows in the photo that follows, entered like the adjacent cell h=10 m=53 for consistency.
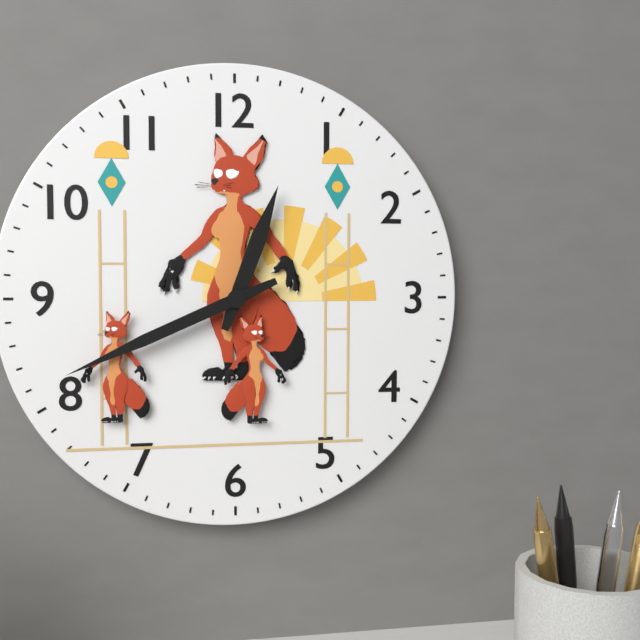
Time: h=12 m=41
